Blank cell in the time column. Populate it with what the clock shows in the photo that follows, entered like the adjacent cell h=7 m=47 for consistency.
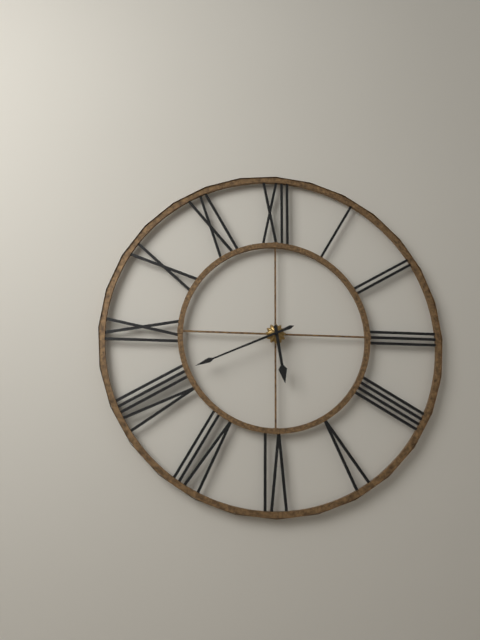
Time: h=5 m=41
